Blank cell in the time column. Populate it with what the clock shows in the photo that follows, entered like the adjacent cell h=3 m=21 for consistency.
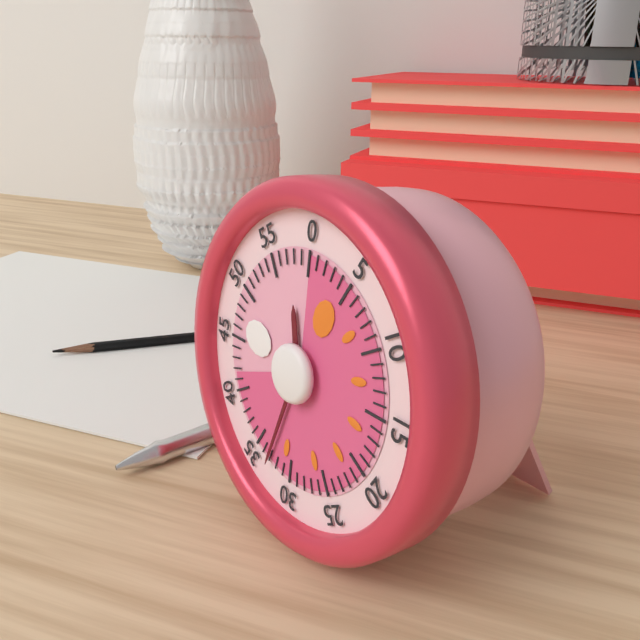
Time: h=11 m=33
